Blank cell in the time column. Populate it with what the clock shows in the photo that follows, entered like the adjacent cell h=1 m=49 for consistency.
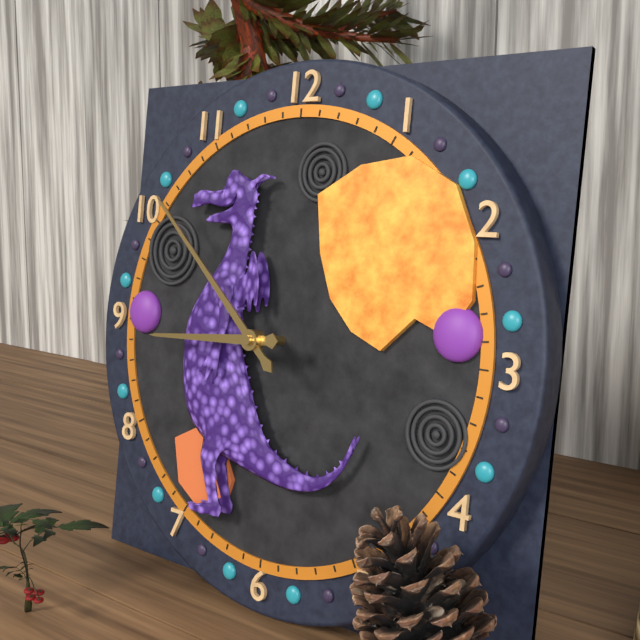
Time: h=8 m=52
